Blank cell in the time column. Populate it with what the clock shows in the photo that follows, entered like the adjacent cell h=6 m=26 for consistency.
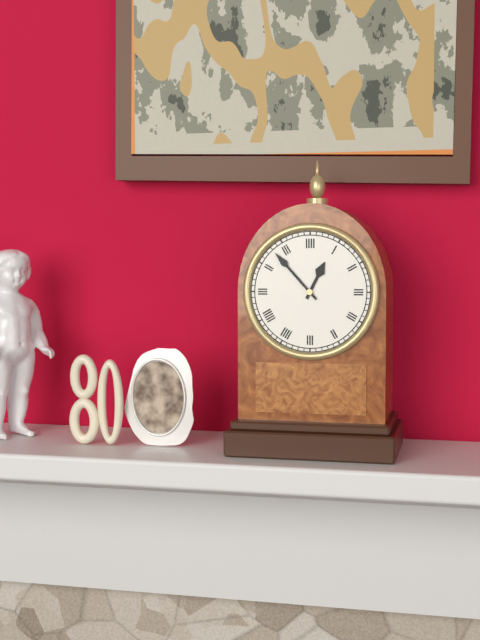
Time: h=12 m=53
